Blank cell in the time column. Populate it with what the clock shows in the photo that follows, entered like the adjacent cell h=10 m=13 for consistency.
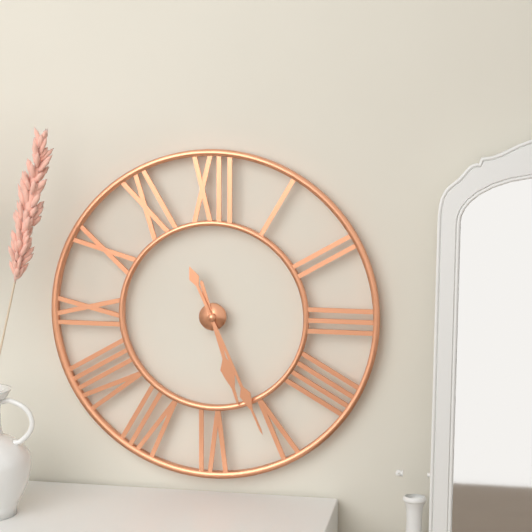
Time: h=5 m=26
